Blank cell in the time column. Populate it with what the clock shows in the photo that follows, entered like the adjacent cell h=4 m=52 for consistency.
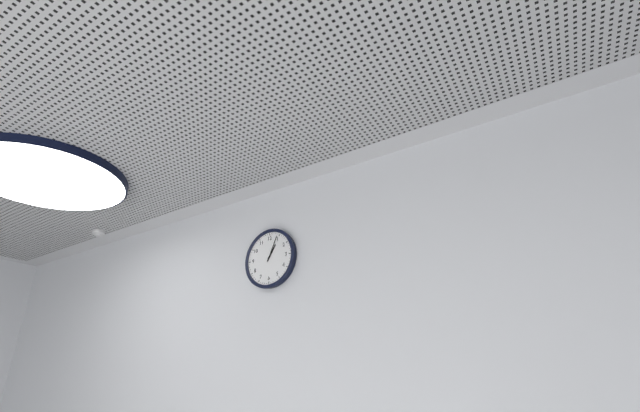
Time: h=1 m=4
